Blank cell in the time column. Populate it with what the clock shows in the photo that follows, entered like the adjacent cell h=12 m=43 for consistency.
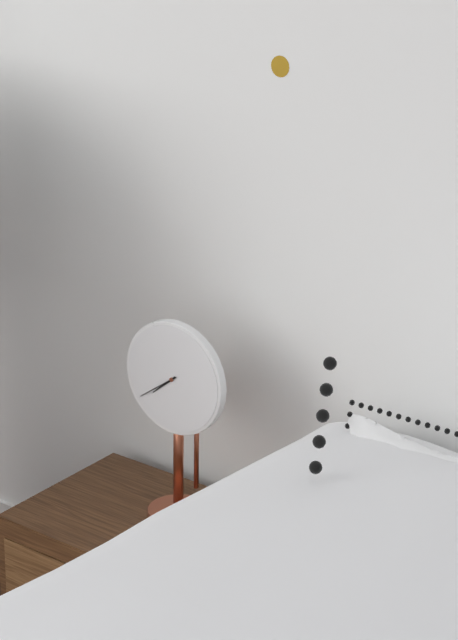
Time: h=7 m=39
